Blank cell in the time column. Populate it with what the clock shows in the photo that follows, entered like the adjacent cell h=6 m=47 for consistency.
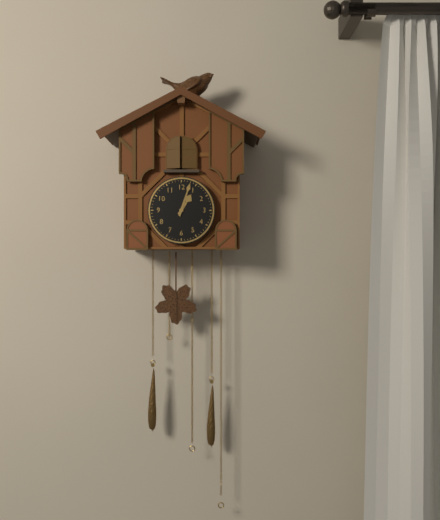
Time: h=1 m=3
